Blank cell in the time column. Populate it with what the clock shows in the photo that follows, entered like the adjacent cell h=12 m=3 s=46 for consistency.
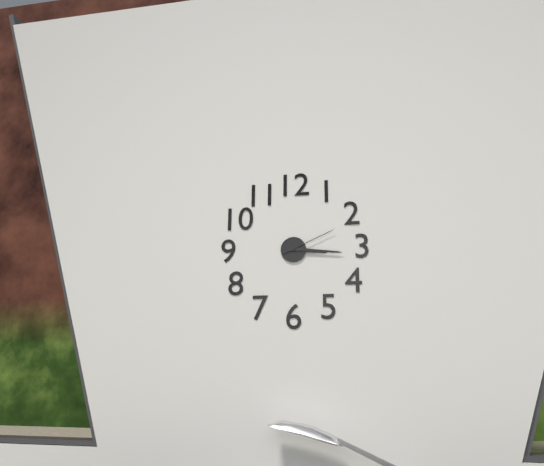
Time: h=3 m=16 s=11
